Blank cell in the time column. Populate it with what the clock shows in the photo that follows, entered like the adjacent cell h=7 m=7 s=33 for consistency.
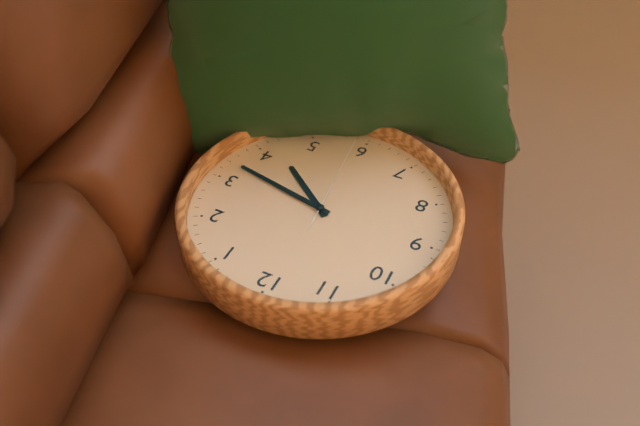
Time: h=4 m=17 s=29
